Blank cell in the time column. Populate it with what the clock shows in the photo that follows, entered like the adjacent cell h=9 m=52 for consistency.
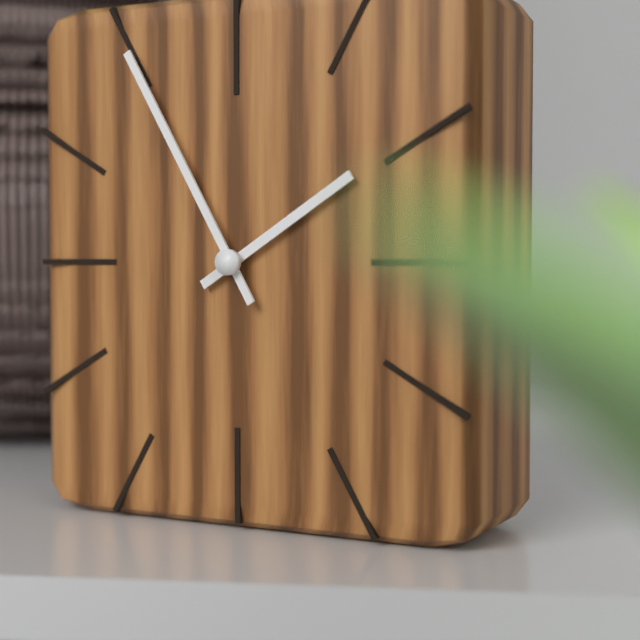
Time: h=1 m=55
